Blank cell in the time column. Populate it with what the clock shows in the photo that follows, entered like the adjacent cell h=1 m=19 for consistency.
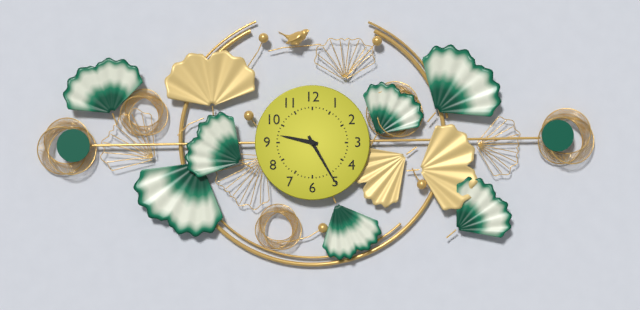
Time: h=9 m=25
